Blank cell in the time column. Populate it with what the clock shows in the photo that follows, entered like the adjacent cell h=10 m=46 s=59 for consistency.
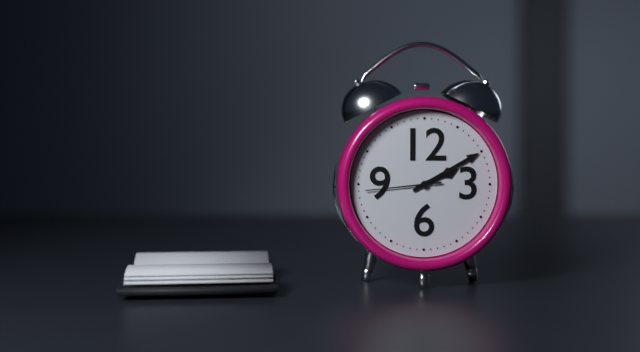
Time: h=2 m=10 s=44
